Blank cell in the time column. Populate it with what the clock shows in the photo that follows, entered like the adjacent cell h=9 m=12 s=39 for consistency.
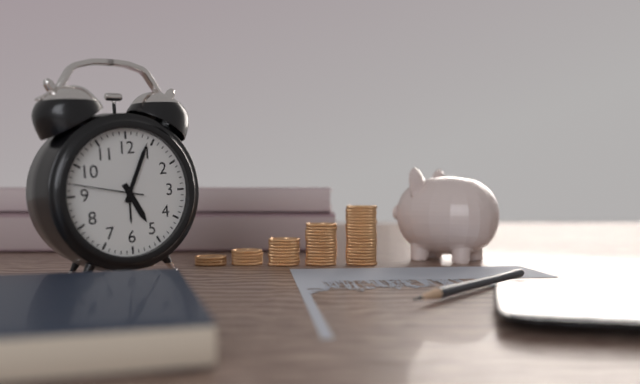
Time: h=5 m=4 s=47
